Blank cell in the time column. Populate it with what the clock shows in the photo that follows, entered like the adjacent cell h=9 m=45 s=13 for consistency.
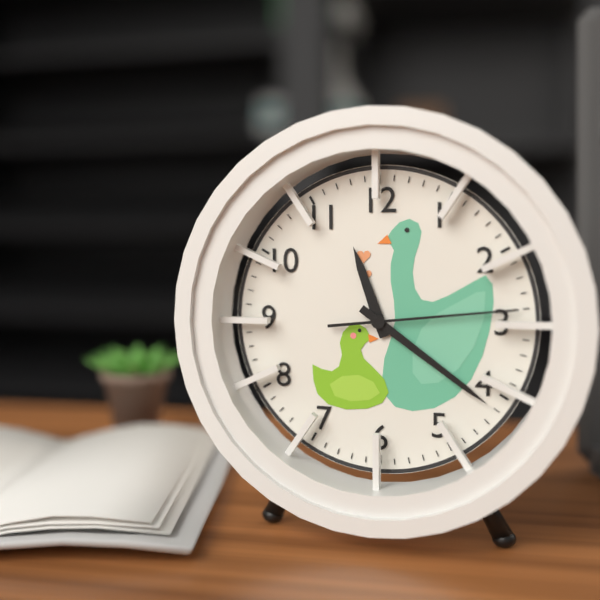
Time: h=11 m=21 s=14
